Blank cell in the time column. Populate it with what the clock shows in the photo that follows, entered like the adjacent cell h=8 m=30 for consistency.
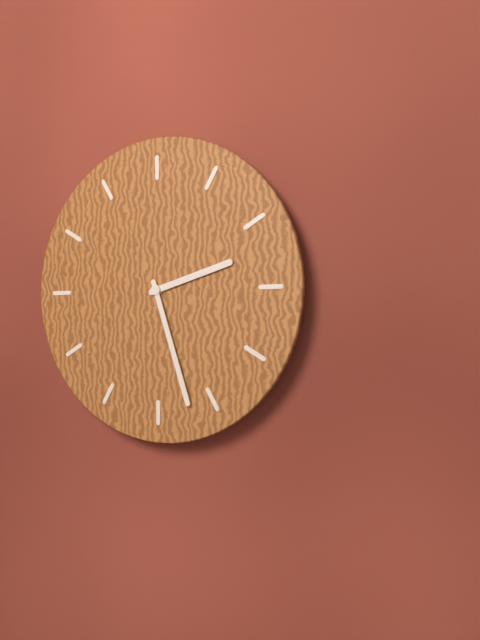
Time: h=2 m=27
